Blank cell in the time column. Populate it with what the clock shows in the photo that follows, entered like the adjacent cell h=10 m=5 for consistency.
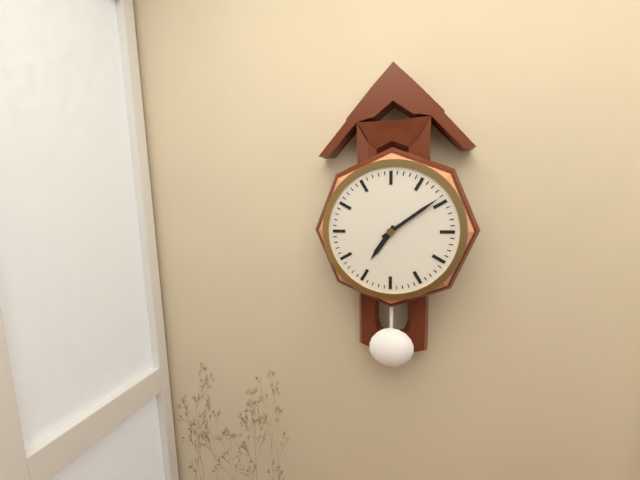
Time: h=7 m=9
